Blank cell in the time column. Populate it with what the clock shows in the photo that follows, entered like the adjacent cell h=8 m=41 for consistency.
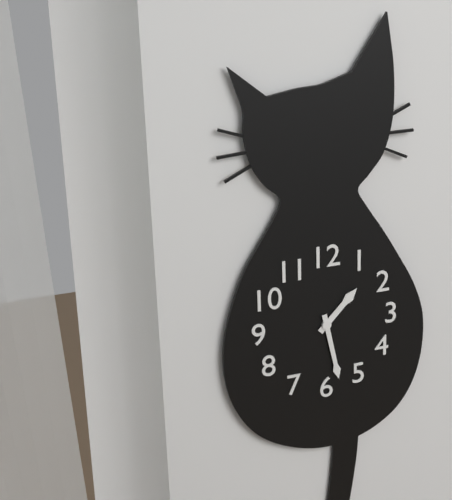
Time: h=1 m=28
